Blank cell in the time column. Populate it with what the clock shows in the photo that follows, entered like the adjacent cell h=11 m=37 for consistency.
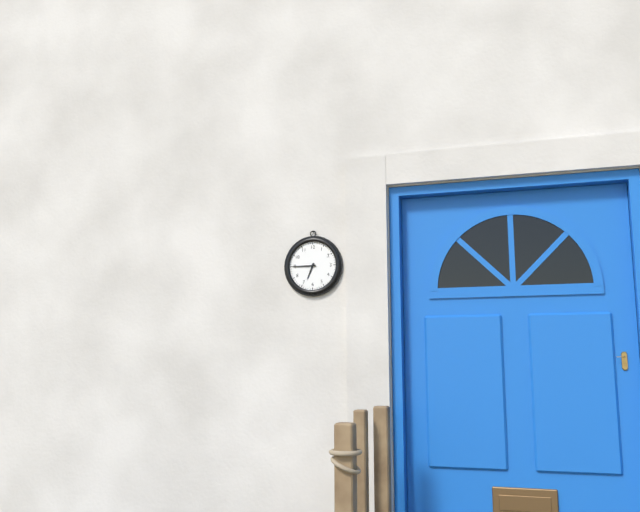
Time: h=6 m=45
